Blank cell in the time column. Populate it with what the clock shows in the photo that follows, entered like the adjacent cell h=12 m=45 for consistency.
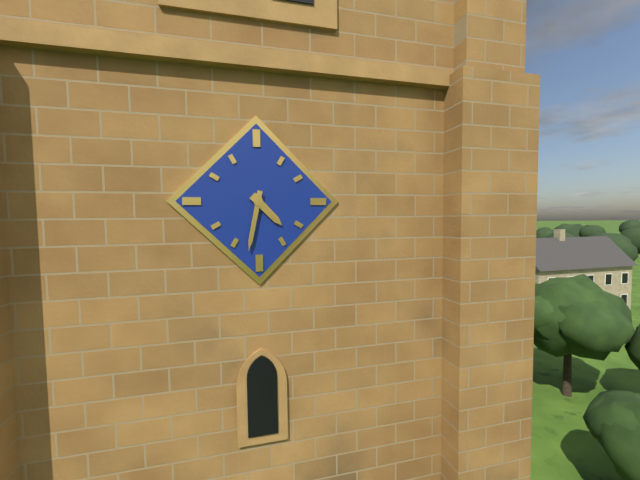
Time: h=4 m=32
